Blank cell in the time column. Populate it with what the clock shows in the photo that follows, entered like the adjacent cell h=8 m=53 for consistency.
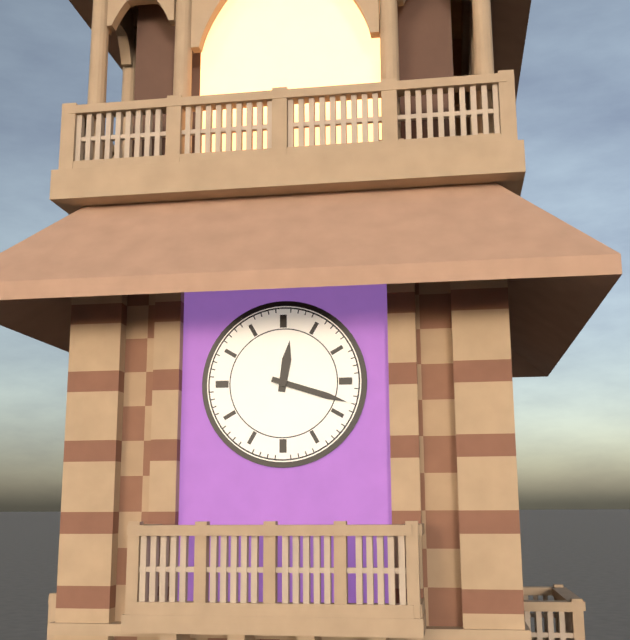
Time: h=12 m=18
